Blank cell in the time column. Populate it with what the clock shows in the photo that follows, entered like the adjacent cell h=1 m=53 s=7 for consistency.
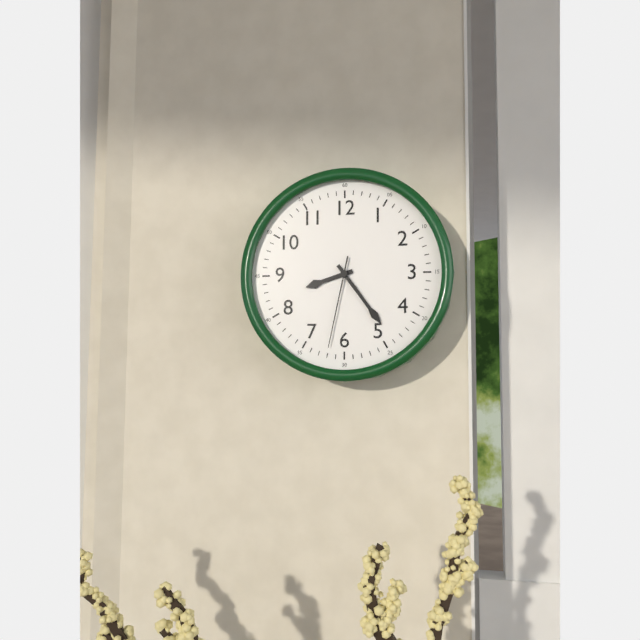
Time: h=8 m=24 s=32
